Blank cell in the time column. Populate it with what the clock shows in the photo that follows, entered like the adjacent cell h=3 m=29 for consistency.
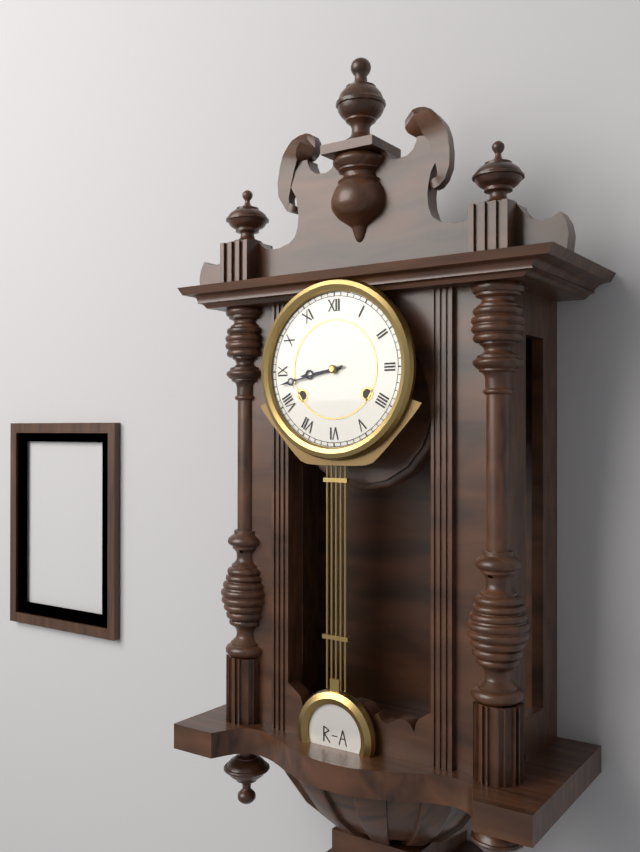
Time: h=8 m=43
